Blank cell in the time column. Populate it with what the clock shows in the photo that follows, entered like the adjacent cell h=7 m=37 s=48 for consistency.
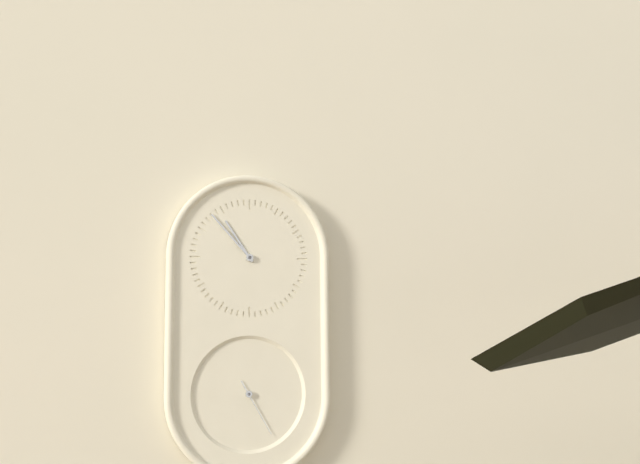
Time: h=10 m=53 s=25
